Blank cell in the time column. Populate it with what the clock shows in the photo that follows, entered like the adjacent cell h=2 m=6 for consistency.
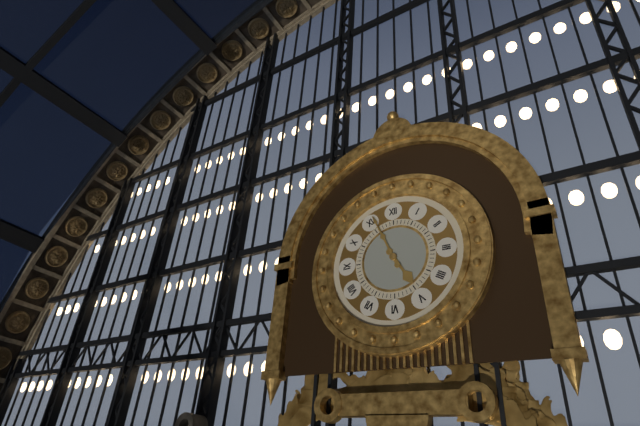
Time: h=4 m=56
